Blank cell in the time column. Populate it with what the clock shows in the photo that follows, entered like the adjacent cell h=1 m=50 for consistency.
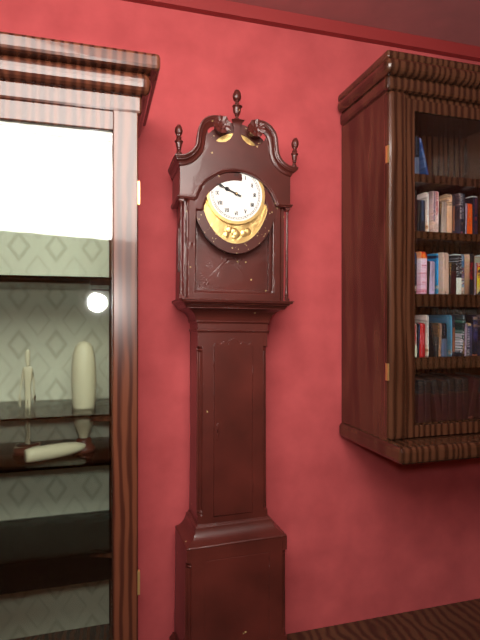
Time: h=9 m=49
